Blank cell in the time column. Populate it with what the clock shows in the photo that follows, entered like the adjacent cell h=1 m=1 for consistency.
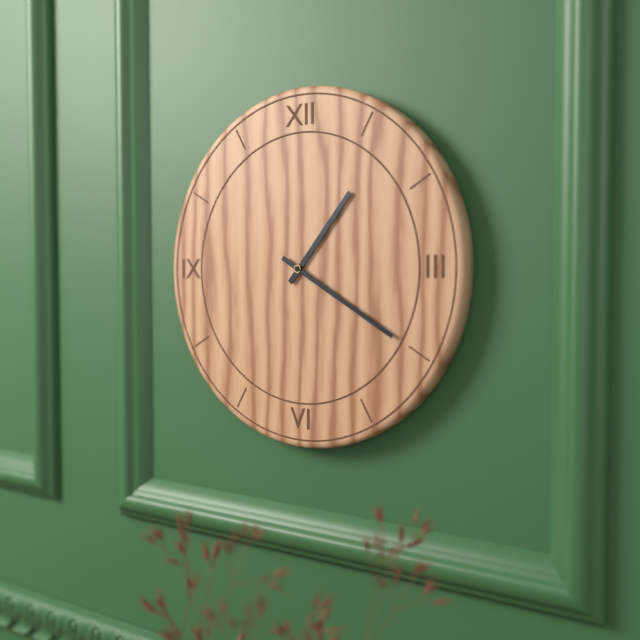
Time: h=1 m=20
